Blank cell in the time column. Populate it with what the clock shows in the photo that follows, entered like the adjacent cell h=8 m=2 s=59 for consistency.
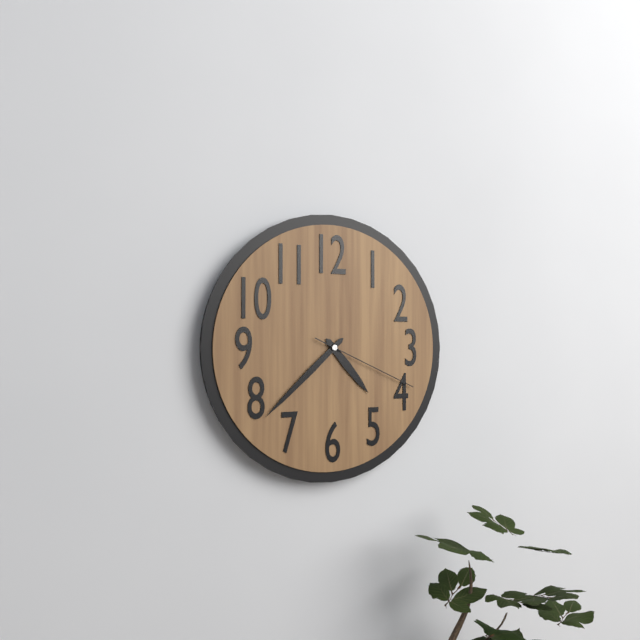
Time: h=4 m=38 s=19
